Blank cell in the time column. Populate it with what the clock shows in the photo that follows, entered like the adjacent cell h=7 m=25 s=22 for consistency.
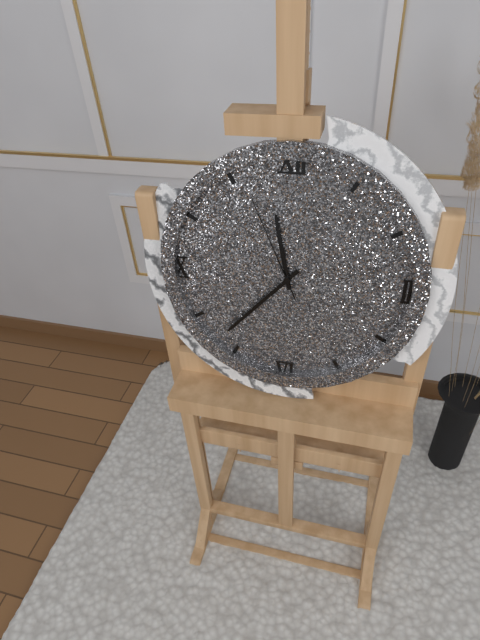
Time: h=11 m=37 s=56
